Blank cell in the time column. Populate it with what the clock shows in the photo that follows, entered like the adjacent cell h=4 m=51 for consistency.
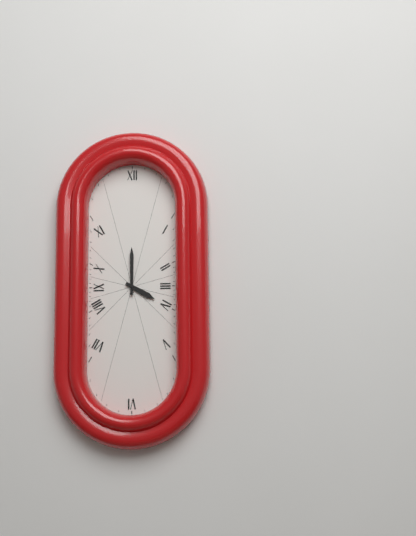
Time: h=4 m=0
